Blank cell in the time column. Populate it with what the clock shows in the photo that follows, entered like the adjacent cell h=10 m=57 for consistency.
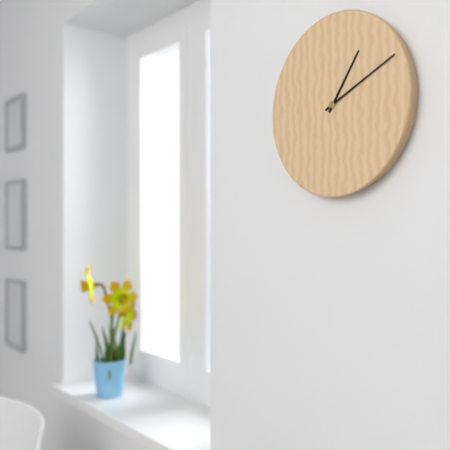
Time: h=1 m=11
